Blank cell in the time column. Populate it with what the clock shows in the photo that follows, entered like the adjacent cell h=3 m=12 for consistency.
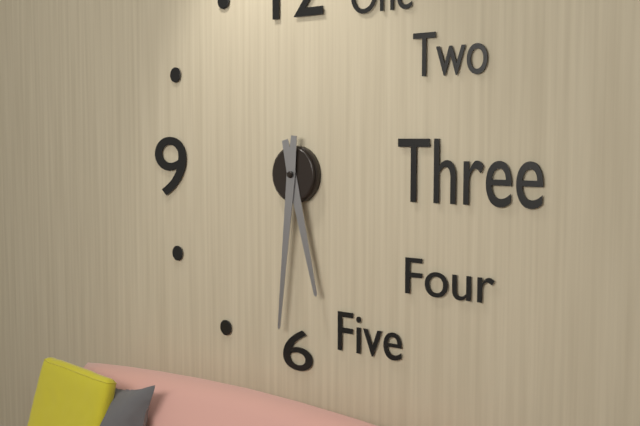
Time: h=5 m=31
